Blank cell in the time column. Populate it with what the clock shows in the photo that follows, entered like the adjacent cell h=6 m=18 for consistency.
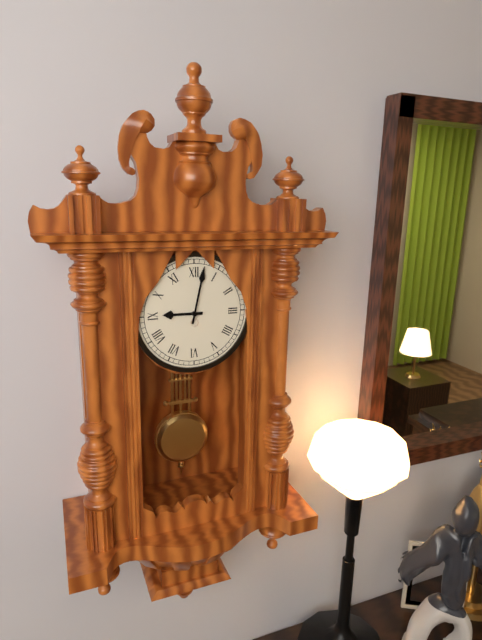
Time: h=9 m=2
